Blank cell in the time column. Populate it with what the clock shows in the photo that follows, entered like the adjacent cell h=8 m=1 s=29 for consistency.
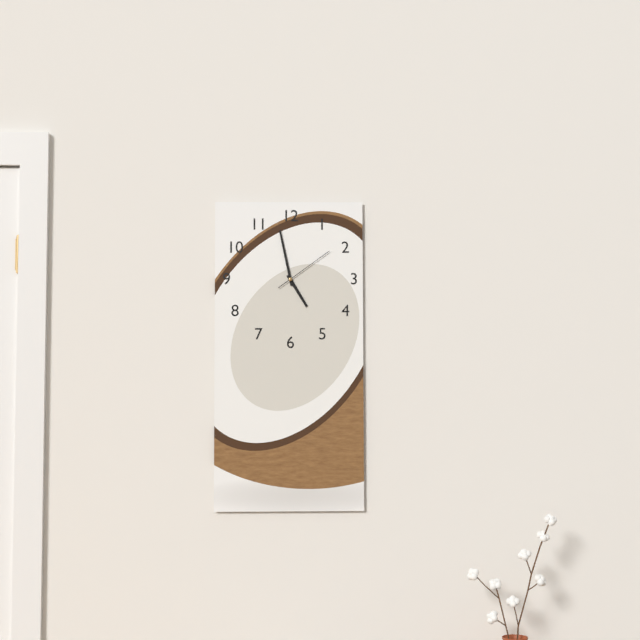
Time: h=4 m=58 s=9
